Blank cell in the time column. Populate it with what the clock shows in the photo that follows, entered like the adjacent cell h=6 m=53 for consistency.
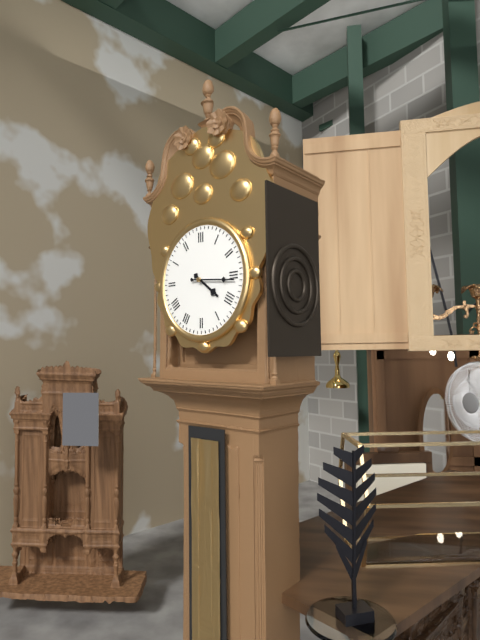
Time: h=4 m=16
